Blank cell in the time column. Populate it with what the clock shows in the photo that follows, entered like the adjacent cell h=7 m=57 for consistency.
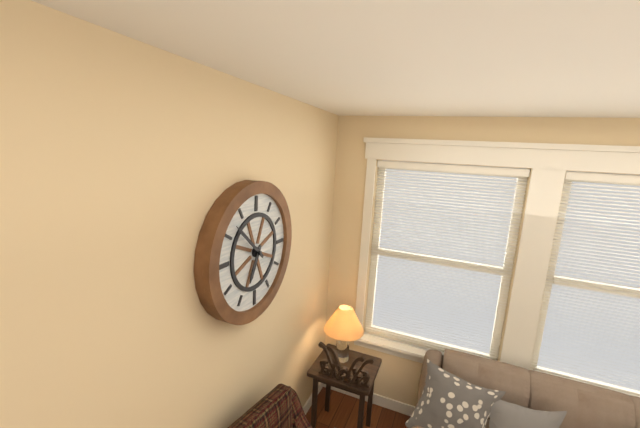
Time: h=6 m=52
